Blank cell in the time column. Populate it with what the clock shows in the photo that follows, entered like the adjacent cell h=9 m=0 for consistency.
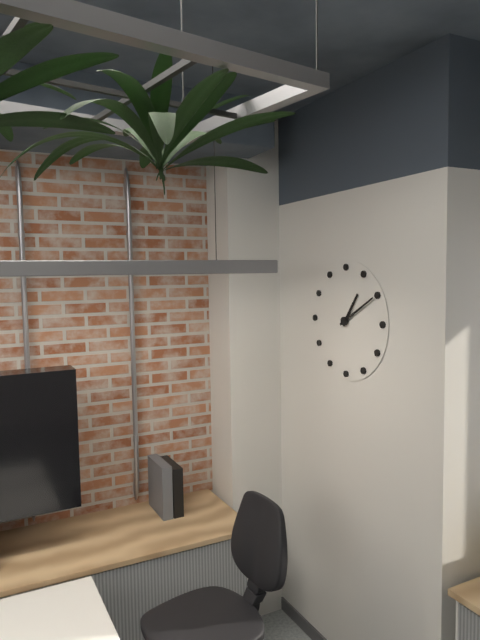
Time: h=1 m=10
